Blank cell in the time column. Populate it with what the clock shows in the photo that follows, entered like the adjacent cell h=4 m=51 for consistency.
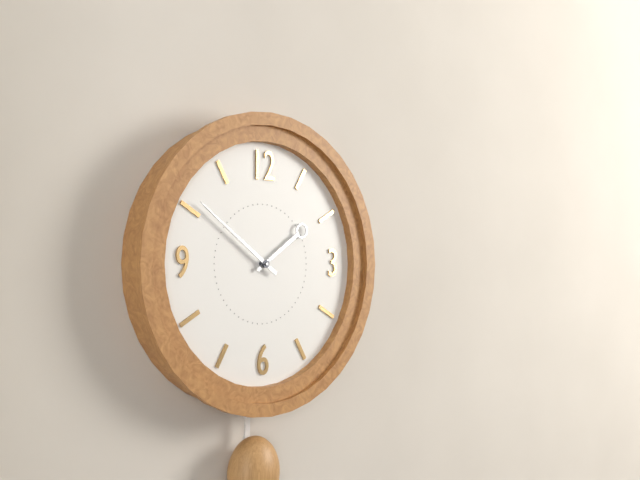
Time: h=1 m=51
